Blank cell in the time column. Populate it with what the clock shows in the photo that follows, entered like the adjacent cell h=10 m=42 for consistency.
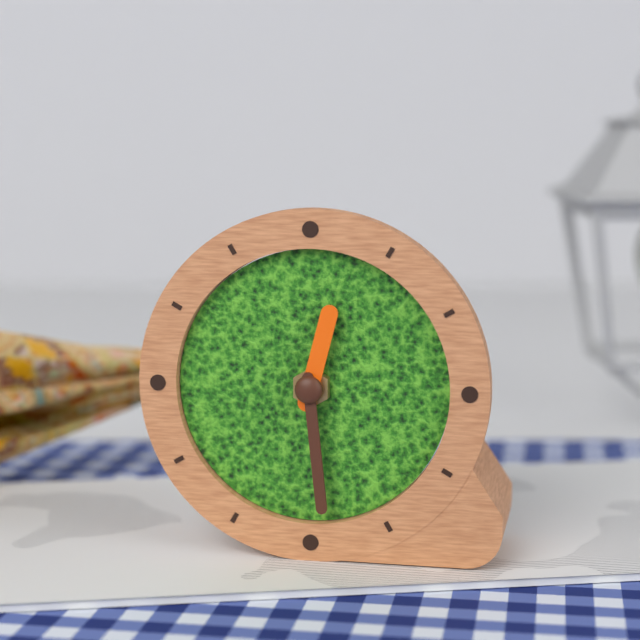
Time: h=12 m=29
